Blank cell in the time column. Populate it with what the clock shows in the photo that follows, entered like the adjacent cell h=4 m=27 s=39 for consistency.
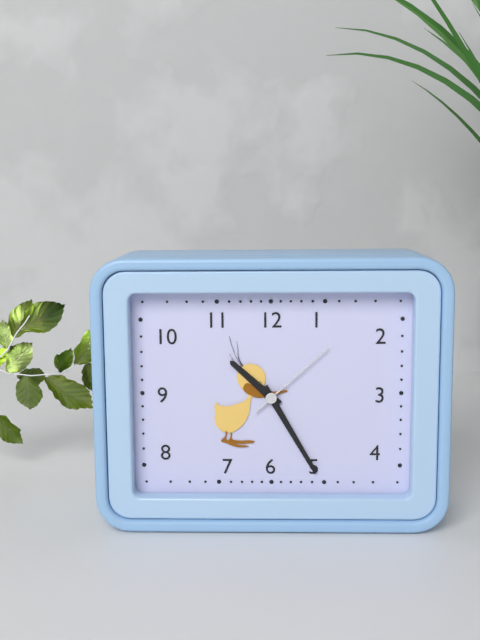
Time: h=10 m=25 s=8
